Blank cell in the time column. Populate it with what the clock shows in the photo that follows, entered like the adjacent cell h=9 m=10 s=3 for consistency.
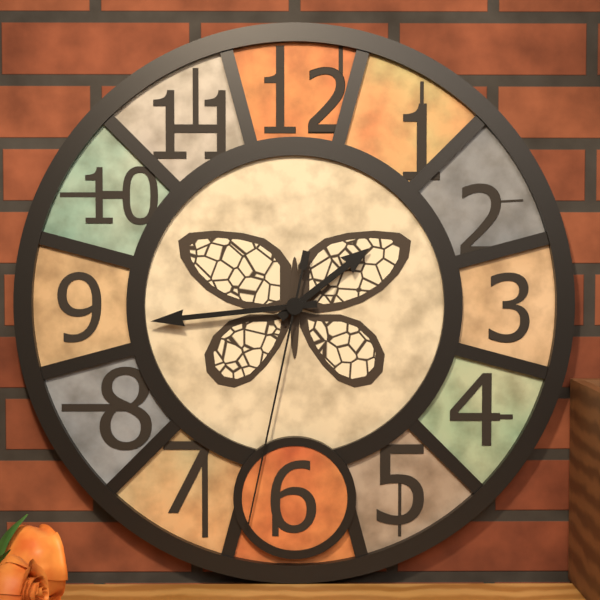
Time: h=1 m=44 s=32
